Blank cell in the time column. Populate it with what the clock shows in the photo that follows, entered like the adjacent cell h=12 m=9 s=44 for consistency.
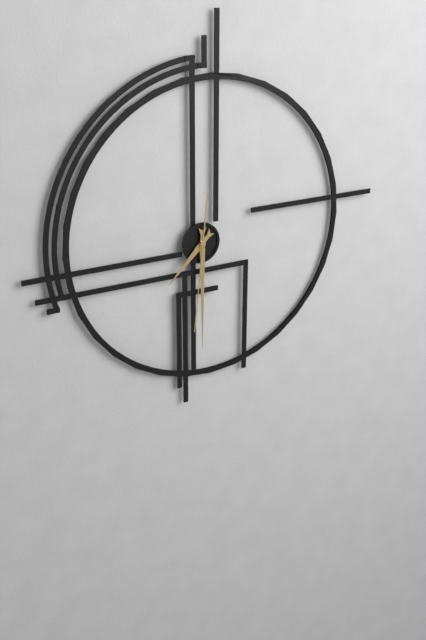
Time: h=7 m=30 s=31
